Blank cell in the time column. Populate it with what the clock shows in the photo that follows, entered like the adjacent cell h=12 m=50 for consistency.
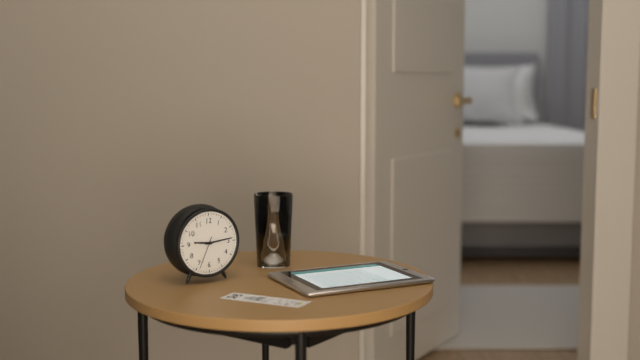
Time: h=9 m=14
